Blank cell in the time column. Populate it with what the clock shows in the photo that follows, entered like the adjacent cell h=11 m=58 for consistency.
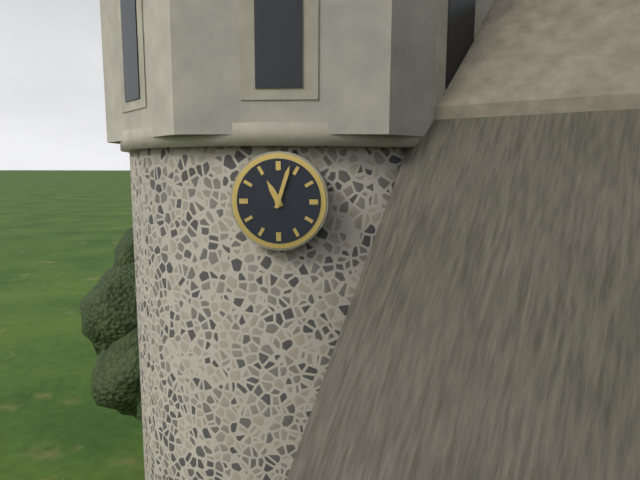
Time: h=11 m=3
